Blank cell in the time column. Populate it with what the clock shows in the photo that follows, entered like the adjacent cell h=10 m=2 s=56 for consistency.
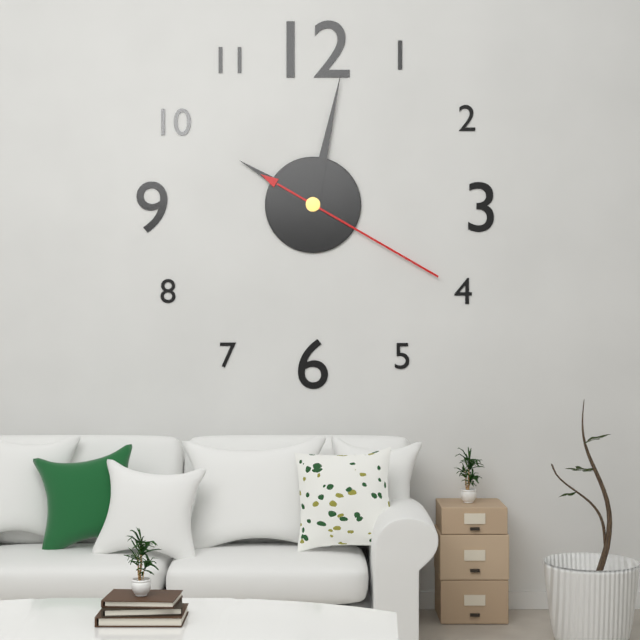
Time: h=10 m=2 s=20
